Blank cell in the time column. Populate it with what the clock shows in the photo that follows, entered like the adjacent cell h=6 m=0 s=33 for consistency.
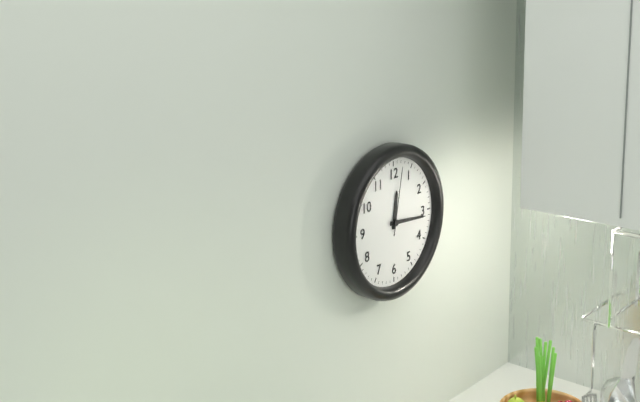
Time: h=12 m=16 s=2
